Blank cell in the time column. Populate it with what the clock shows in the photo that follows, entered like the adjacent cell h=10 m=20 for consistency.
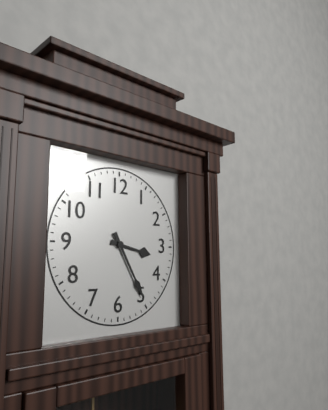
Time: h=3 m=25
